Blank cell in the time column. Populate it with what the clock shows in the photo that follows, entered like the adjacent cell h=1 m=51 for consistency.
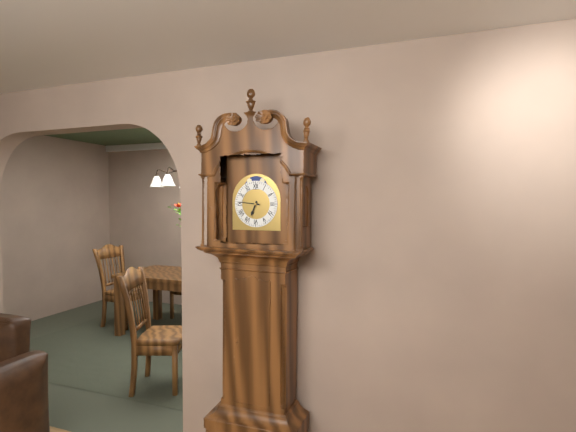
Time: h=6 m=46
